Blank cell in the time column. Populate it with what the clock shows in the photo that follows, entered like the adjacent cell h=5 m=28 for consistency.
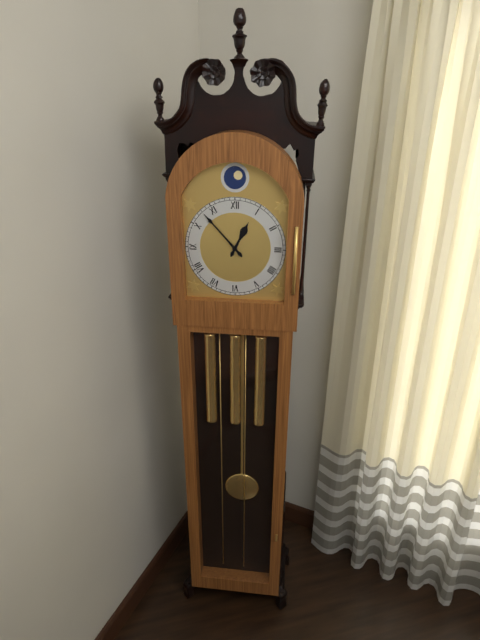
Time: h=12 m=53
